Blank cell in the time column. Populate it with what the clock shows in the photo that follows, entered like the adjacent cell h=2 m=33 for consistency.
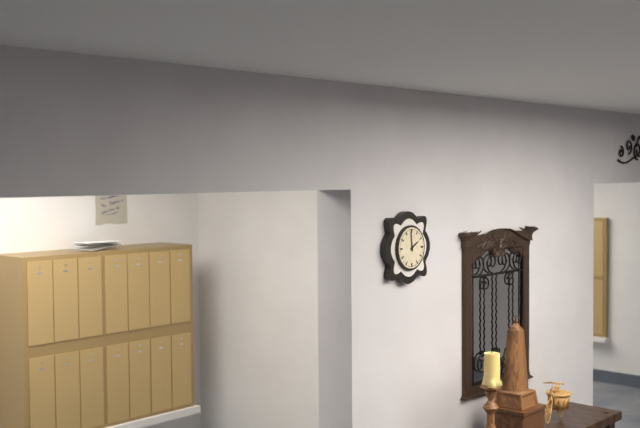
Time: h=1 m=59
